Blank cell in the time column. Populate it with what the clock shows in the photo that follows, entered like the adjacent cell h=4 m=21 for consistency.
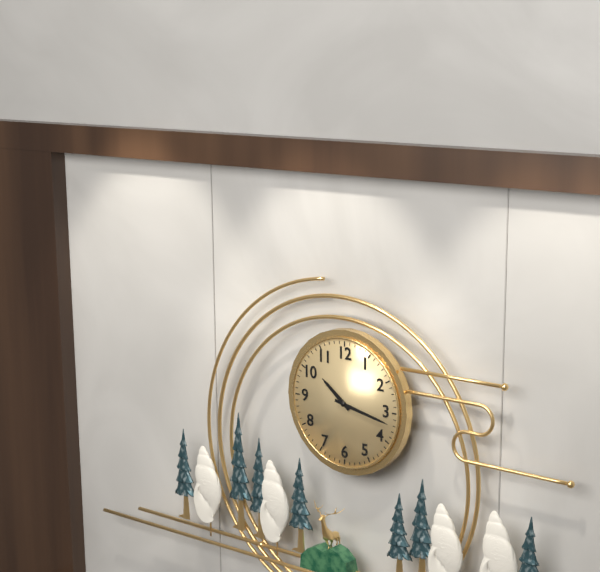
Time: h=10 m=17
